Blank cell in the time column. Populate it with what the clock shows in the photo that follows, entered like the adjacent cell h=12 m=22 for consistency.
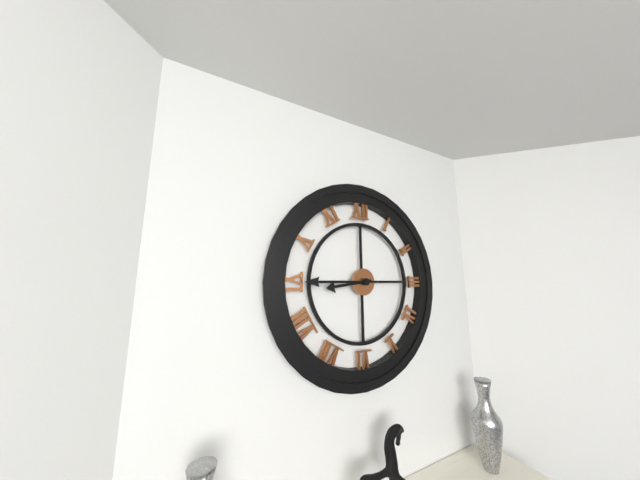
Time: h=8 m=45
